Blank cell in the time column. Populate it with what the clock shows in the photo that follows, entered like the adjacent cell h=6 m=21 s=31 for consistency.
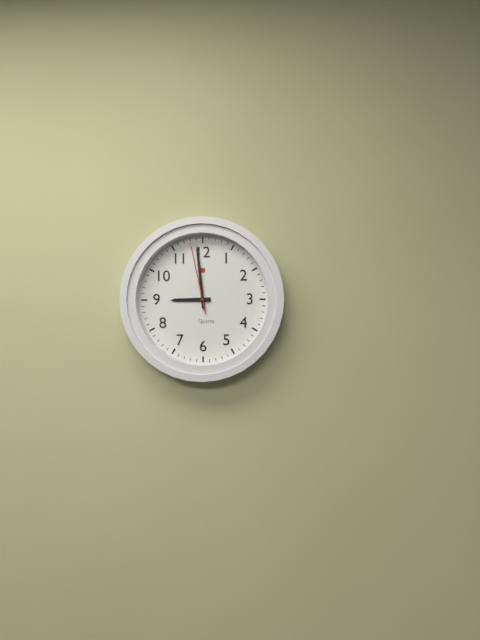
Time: h=8 m=59 s=58
